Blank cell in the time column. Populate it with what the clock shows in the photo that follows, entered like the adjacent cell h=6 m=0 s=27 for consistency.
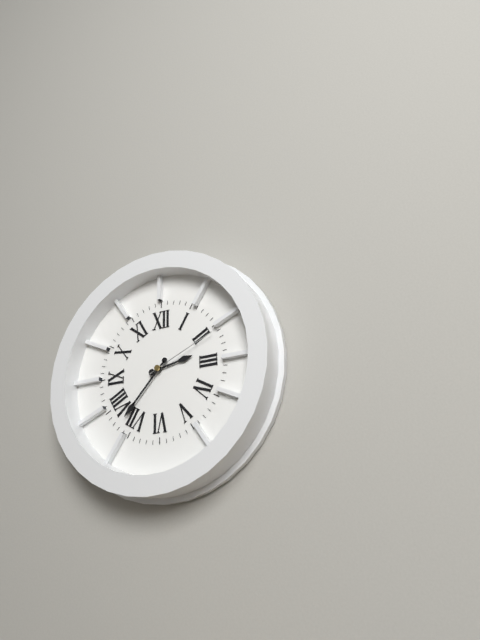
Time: h=2 m=37 s=11
